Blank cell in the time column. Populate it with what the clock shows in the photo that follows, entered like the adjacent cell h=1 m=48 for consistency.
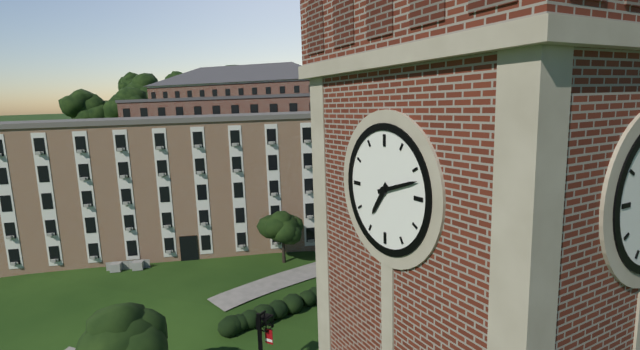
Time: h=7 m=12
